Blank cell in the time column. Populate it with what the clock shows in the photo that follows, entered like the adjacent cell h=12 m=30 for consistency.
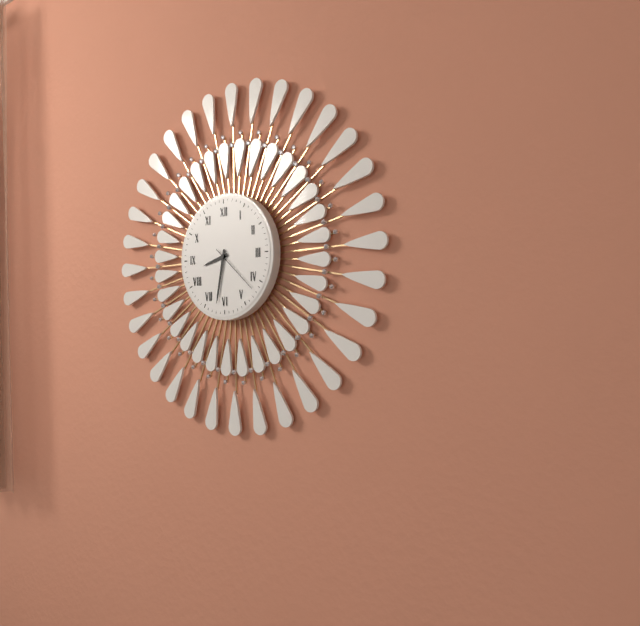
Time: h=8 m=32
